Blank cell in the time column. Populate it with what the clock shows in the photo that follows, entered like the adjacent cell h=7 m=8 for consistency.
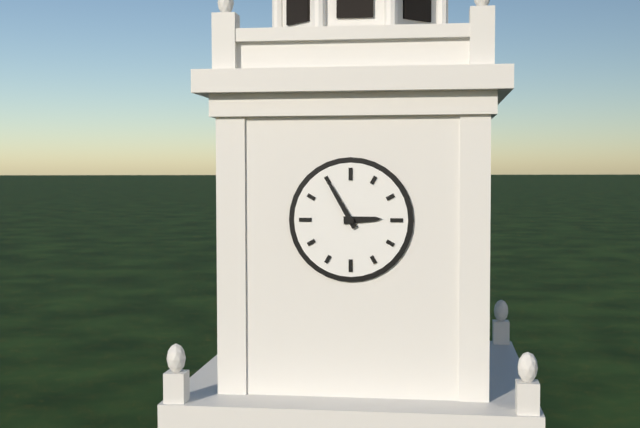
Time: h=2 m=55
